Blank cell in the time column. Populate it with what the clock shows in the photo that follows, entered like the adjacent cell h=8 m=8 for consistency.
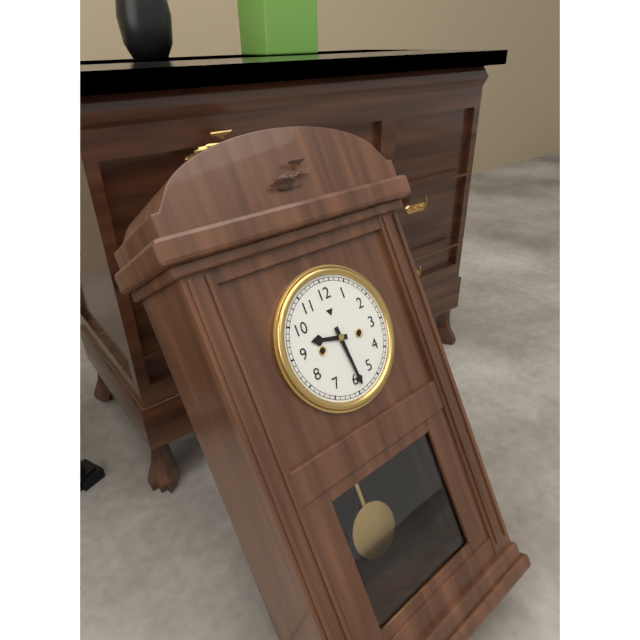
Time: h=9 m=29
